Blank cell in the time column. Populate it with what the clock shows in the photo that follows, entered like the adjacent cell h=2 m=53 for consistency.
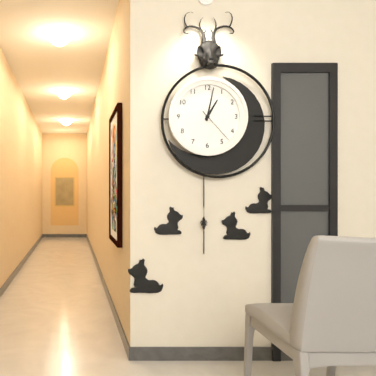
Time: h=1 m=2
